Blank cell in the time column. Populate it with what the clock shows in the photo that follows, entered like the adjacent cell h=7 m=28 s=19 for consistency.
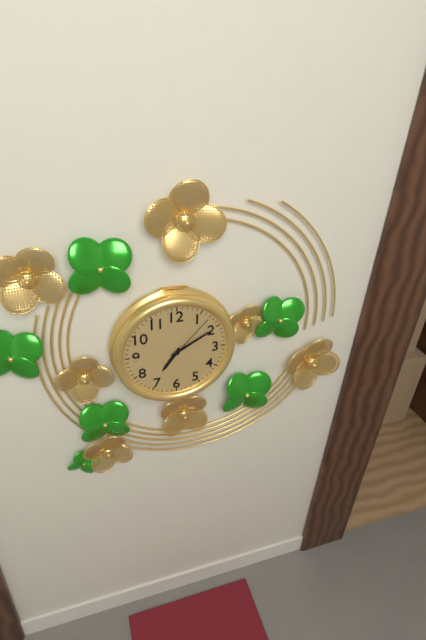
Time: h=7 m=10 s=7
